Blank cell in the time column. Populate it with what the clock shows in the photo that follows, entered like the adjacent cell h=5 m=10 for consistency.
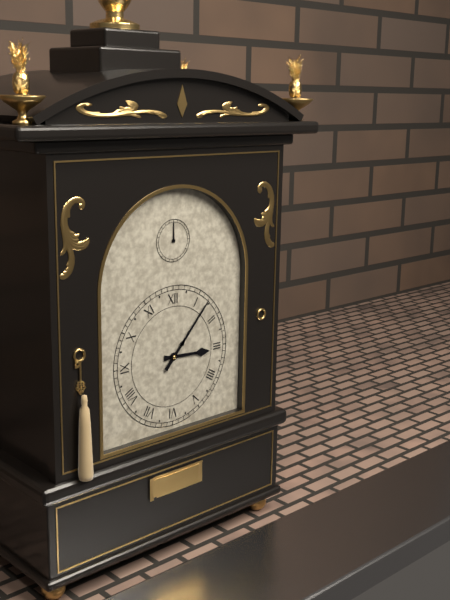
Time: h=3 m=7
